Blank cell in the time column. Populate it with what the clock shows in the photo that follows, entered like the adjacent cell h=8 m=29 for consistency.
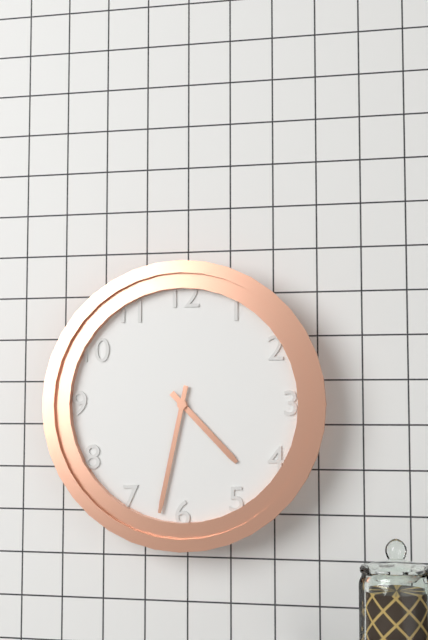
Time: h=4 m=32
